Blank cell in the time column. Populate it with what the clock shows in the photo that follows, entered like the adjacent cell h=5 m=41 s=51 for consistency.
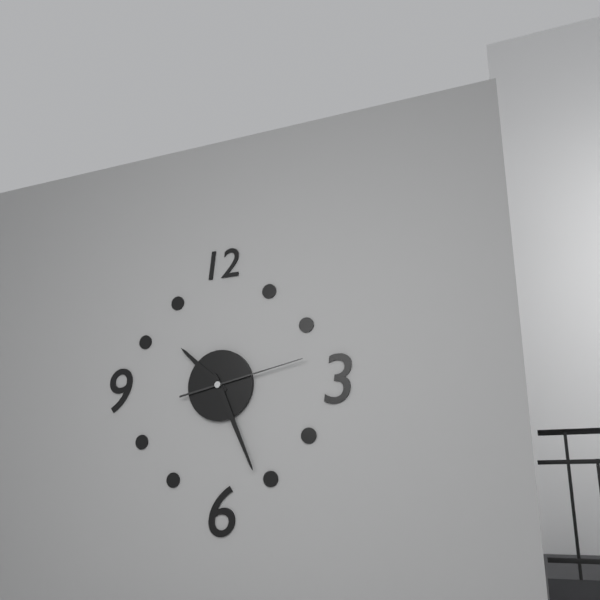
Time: h=10 m=26 s=13
